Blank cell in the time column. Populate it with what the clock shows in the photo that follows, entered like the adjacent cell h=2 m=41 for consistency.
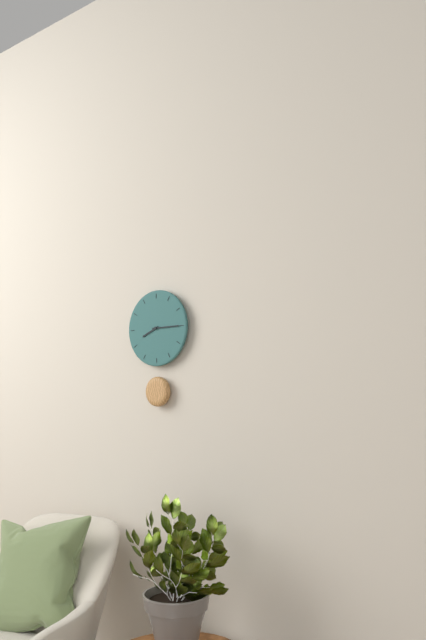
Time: h=8 m=15
